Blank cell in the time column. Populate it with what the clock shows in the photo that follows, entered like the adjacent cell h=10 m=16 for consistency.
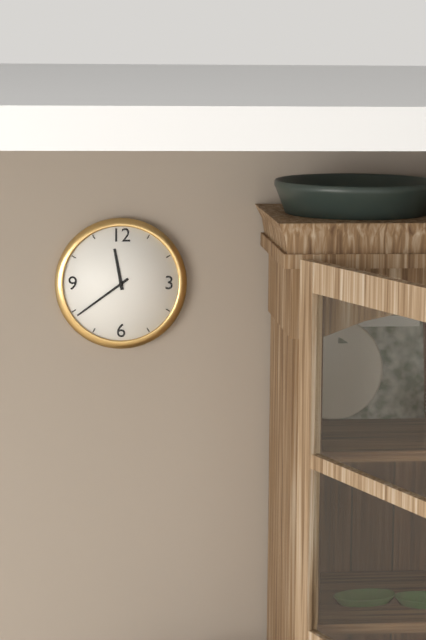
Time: h=11 m=39
